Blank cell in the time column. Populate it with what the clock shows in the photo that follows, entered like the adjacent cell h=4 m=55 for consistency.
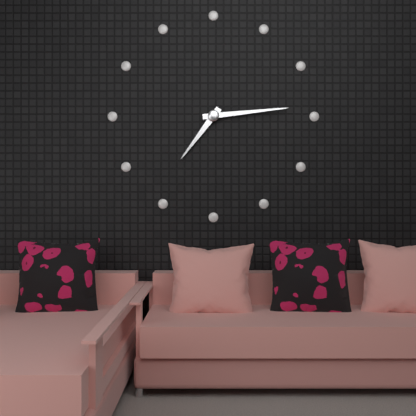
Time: h=7 m=14
